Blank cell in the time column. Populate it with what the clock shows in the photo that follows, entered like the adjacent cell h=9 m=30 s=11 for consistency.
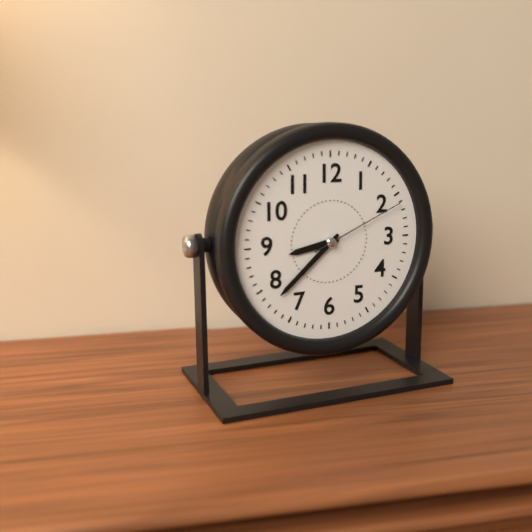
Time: h=8 m=38 s=11
